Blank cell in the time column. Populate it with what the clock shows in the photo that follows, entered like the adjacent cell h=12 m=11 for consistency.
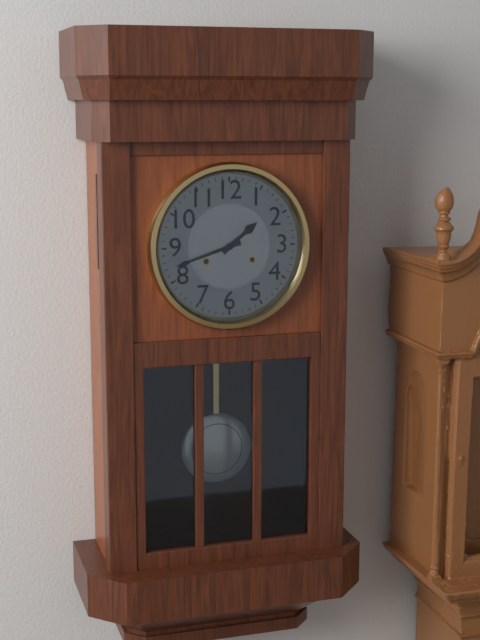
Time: h=1 m=42
